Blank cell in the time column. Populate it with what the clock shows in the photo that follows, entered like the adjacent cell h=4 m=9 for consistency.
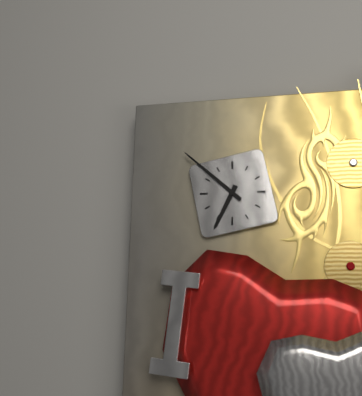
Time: h=6 m=52
